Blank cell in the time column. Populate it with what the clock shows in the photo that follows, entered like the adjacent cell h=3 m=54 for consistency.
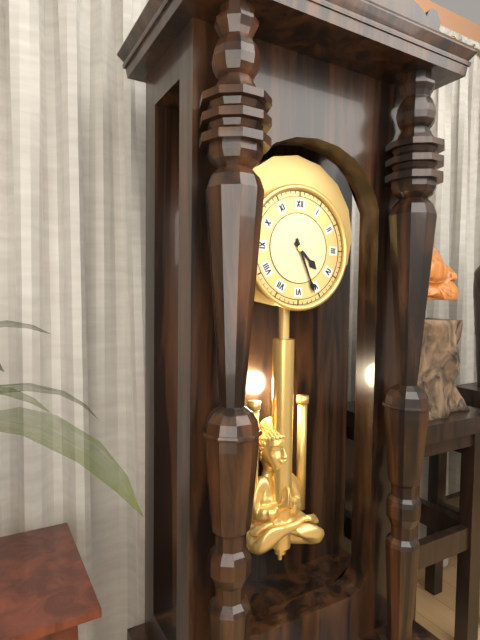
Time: h=4 m=26
